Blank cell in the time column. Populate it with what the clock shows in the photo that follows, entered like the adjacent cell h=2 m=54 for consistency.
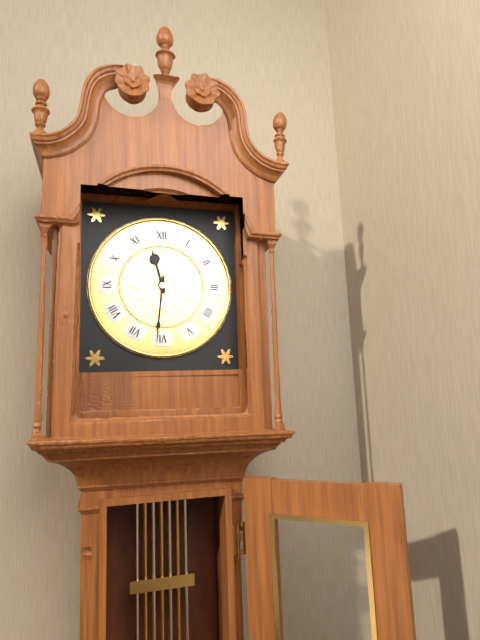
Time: h=11 m=31
